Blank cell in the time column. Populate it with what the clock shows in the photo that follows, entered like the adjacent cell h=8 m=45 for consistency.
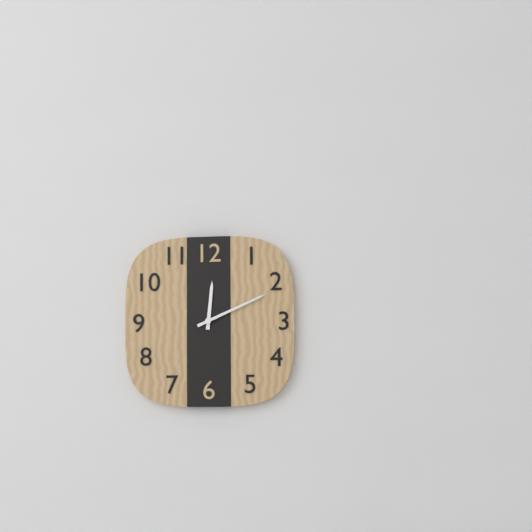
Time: h=12 m=11
